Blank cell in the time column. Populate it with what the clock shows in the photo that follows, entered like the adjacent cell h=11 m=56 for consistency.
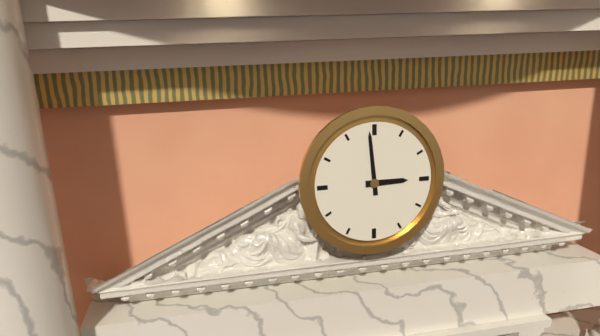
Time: h=2 m=59
